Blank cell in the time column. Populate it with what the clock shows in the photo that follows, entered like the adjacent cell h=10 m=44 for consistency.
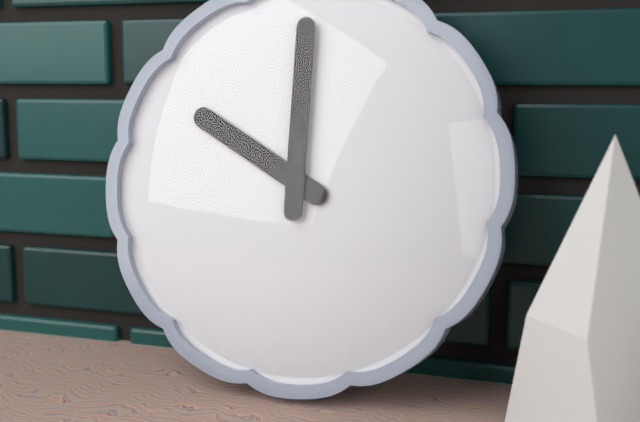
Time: h=10 m=0
